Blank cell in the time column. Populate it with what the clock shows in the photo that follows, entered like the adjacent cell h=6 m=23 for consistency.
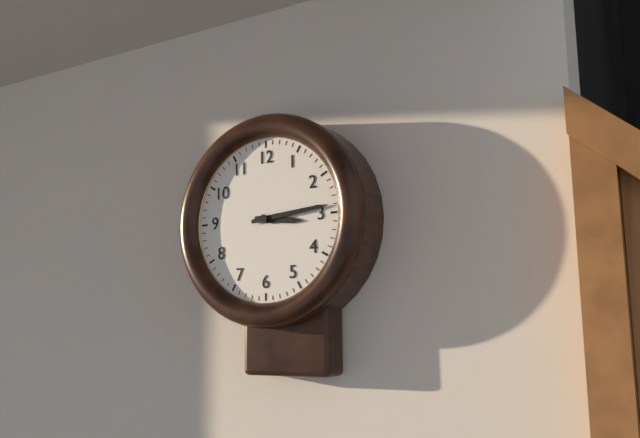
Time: h=3 m=14
